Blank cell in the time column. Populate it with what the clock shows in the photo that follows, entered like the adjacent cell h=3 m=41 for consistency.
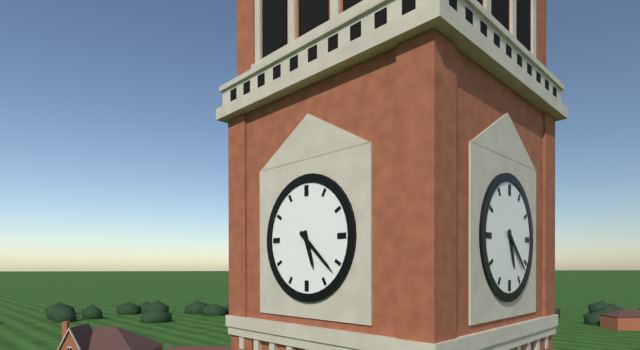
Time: h=5 m=22
